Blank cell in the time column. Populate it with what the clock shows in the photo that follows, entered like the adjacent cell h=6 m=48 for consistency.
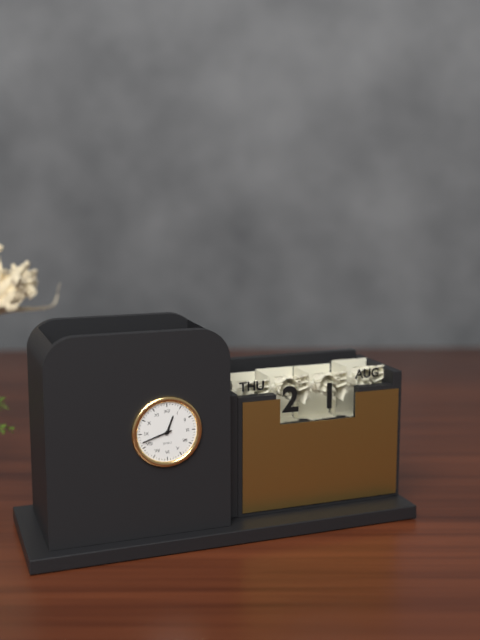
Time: h=12 m=42
